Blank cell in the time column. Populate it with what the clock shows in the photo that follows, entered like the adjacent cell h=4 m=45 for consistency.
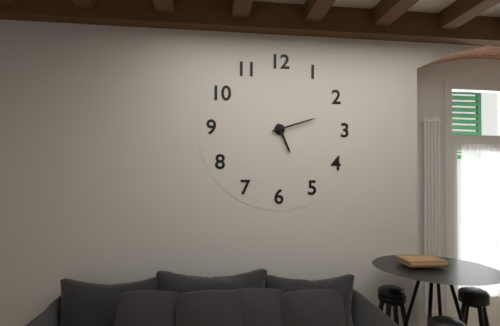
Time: h=5 m=12
